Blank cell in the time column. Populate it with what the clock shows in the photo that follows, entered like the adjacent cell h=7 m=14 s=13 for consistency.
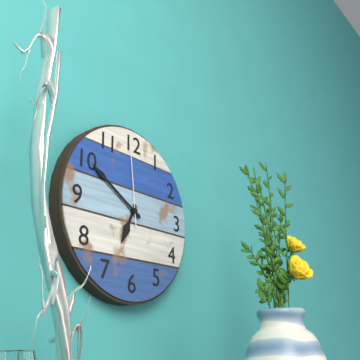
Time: h=6 m=50 s=59
